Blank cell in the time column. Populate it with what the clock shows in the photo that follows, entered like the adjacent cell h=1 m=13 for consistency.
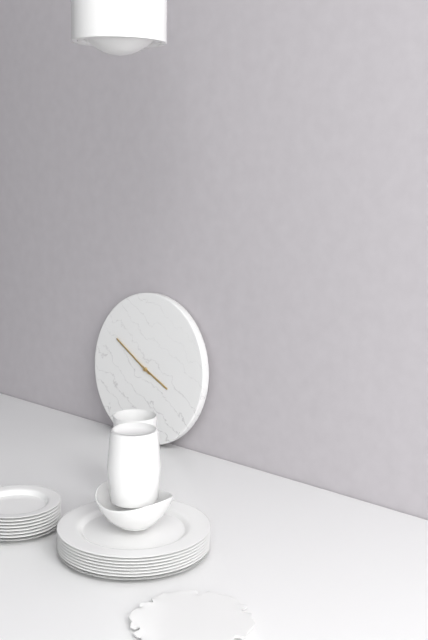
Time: h=3 m=50
